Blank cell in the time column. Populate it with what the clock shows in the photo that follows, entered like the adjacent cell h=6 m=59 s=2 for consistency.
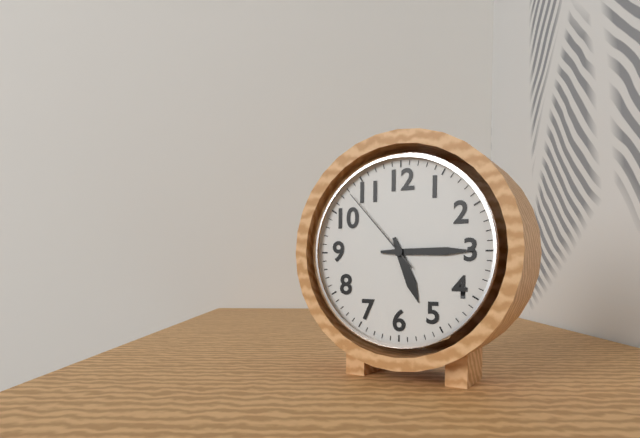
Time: h=5 m=15 s=53
